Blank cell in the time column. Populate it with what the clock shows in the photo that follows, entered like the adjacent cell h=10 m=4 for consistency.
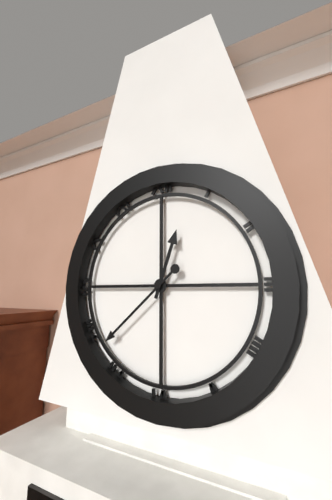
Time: h=12 m=38
